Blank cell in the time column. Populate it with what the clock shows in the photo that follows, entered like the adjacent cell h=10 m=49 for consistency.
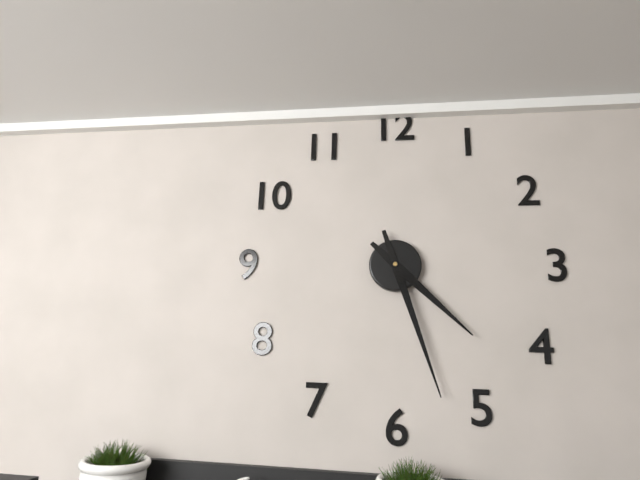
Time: h=4 m=27
